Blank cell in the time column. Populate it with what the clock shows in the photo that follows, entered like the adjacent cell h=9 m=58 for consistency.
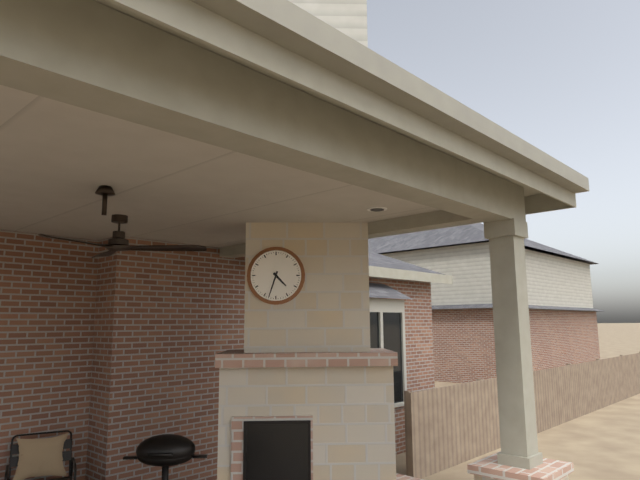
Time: h=4 m=33
